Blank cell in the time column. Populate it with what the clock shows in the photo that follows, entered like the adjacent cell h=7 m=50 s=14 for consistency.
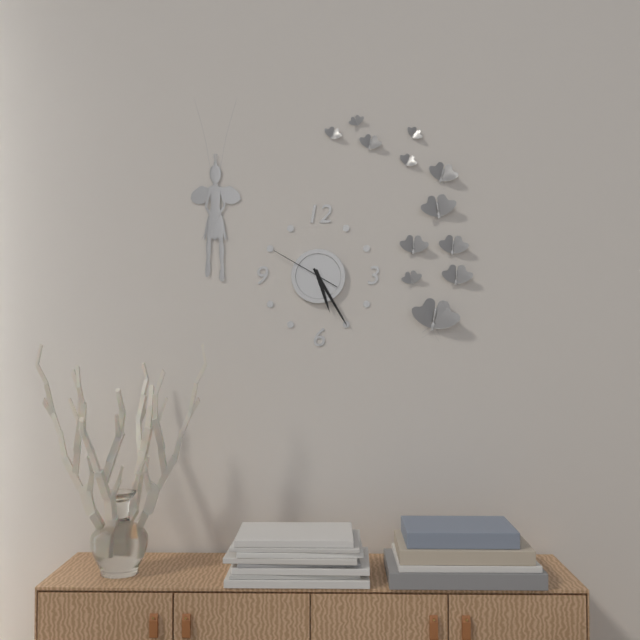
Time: h=5 m=25 s=50
